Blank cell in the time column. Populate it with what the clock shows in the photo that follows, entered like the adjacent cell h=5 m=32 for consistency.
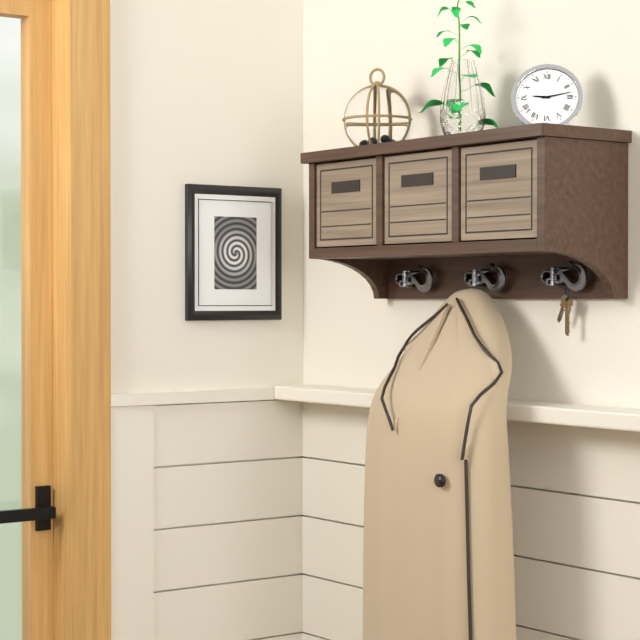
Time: h=9 m=13
